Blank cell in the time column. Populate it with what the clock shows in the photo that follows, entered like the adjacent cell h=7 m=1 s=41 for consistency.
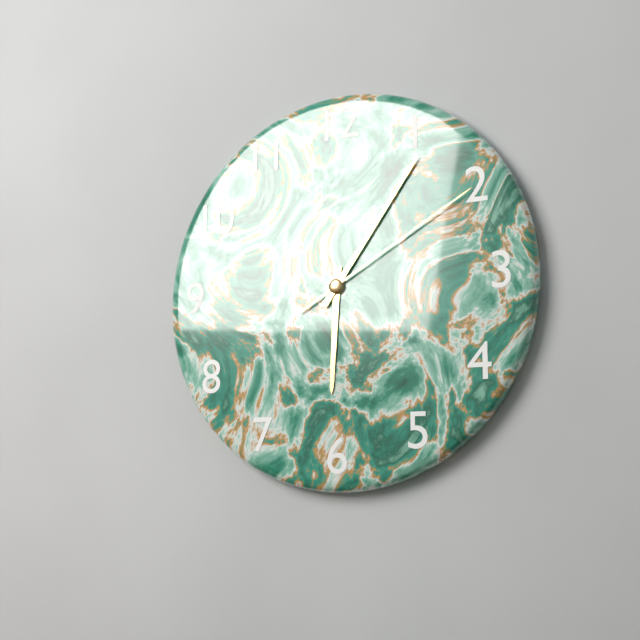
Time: h=6 m=6 s=10
